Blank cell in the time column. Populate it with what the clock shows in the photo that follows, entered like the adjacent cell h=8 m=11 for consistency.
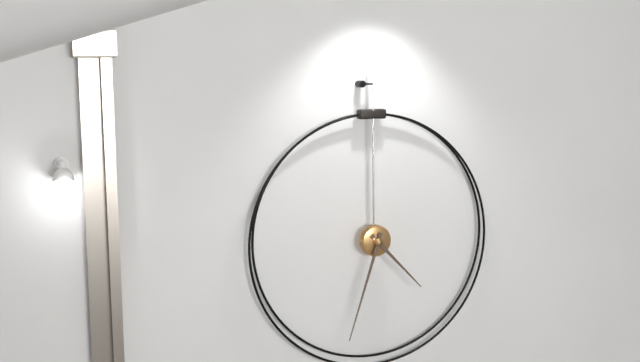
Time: h=4 m=33
